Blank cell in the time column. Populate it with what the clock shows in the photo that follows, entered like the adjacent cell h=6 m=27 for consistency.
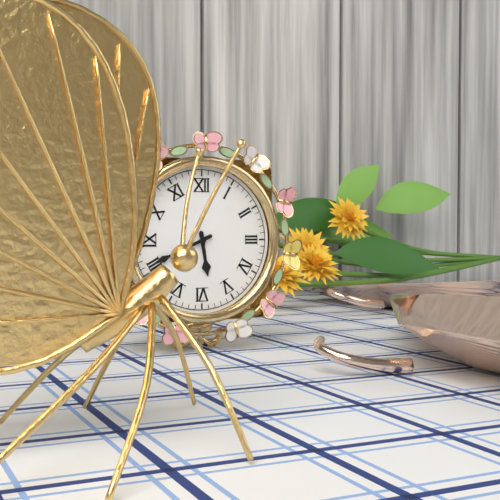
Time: h=5 m=41
